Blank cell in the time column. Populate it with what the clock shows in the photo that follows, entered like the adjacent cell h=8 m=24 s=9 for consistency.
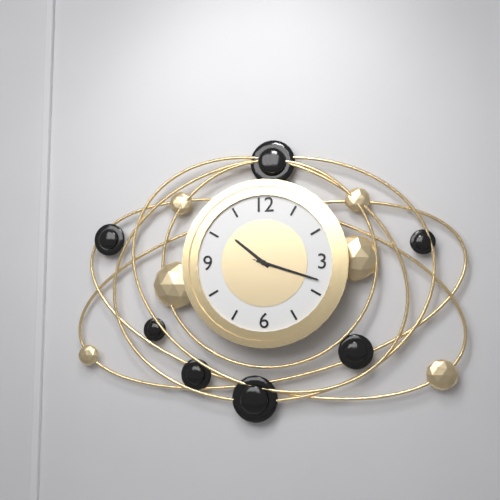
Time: h=10 m=18 s=18
